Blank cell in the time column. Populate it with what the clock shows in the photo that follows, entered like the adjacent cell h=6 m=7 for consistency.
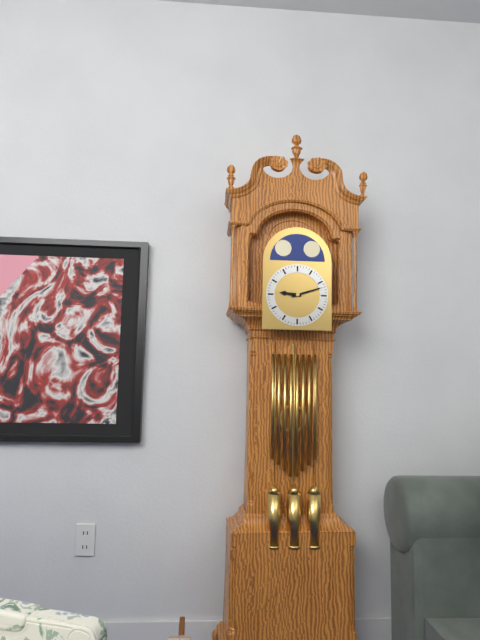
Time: h=9 m=12
